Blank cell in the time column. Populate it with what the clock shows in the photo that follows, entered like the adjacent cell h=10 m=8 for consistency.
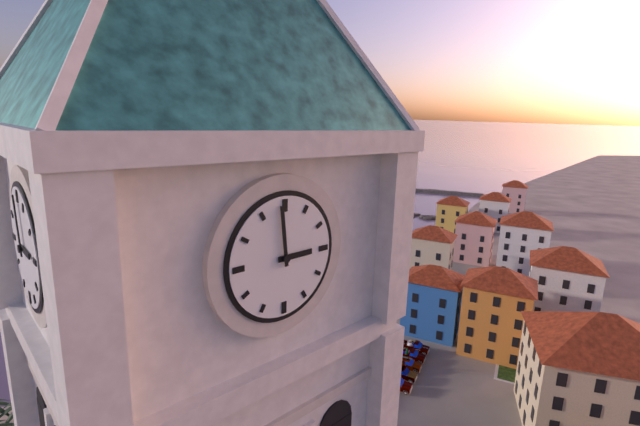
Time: h=2 m=59
